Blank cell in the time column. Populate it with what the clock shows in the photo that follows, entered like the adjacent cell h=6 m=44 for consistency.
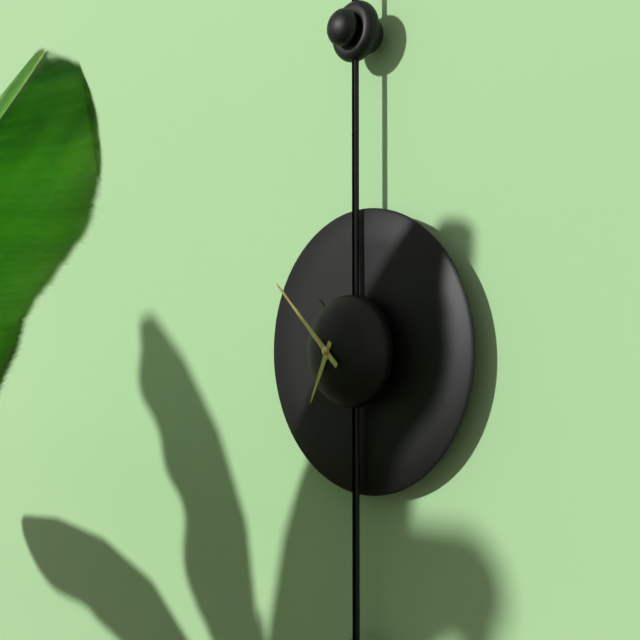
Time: h=6 m=52
